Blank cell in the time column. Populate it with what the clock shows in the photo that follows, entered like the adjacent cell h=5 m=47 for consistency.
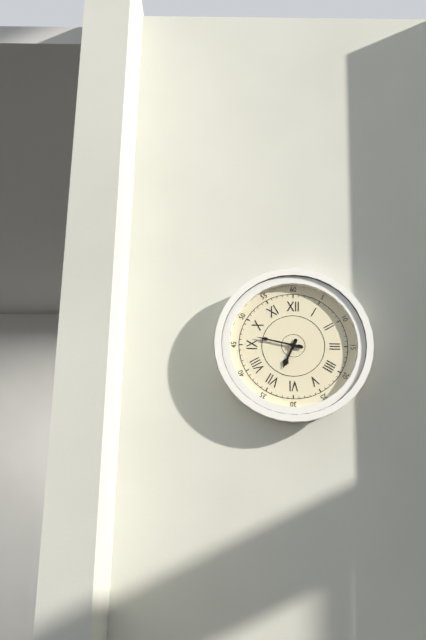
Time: h=6 m=47
